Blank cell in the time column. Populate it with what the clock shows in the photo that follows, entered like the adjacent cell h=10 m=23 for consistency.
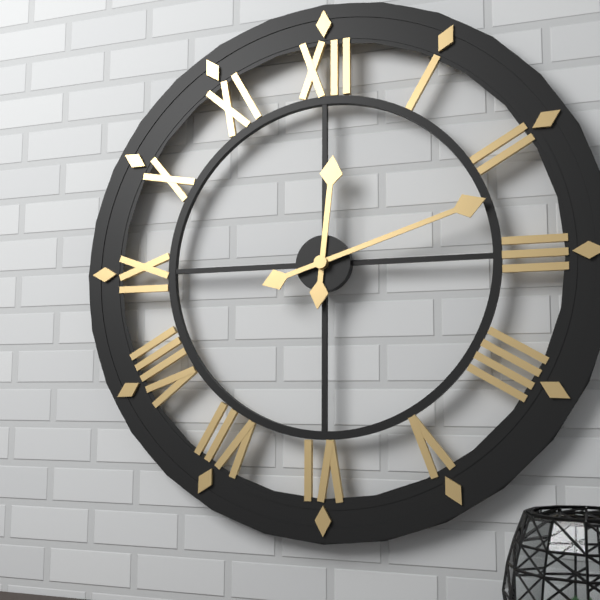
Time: h=12 m=12
